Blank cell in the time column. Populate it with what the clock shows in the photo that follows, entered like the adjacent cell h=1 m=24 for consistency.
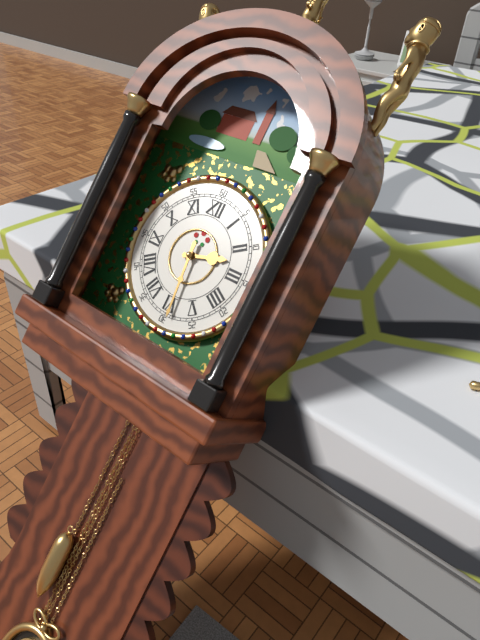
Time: h=2 m=29
